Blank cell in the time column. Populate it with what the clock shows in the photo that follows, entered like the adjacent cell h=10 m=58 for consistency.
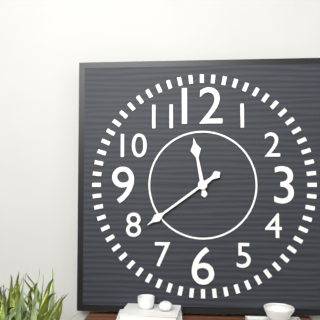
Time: h=11 m=39
